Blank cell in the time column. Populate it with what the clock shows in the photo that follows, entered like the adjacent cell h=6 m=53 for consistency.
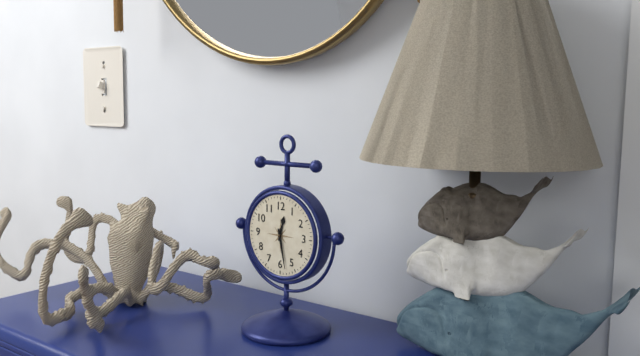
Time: h=12 m=28
